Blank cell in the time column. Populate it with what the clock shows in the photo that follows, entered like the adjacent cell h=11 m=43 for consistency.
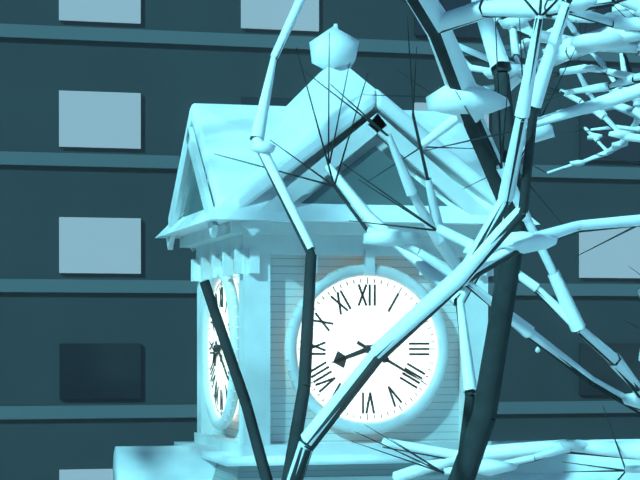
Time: h=8 m=20
